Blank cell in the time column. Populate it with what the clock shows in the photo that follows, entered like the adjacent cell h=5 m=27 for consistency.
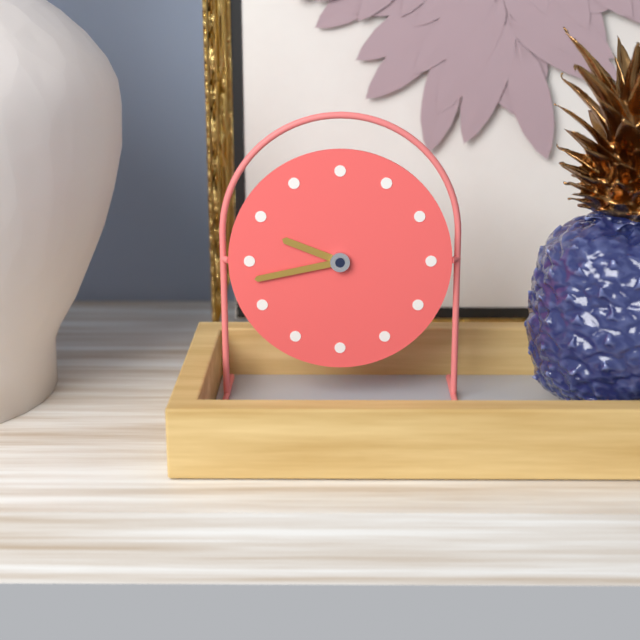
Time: h=9 m=43
